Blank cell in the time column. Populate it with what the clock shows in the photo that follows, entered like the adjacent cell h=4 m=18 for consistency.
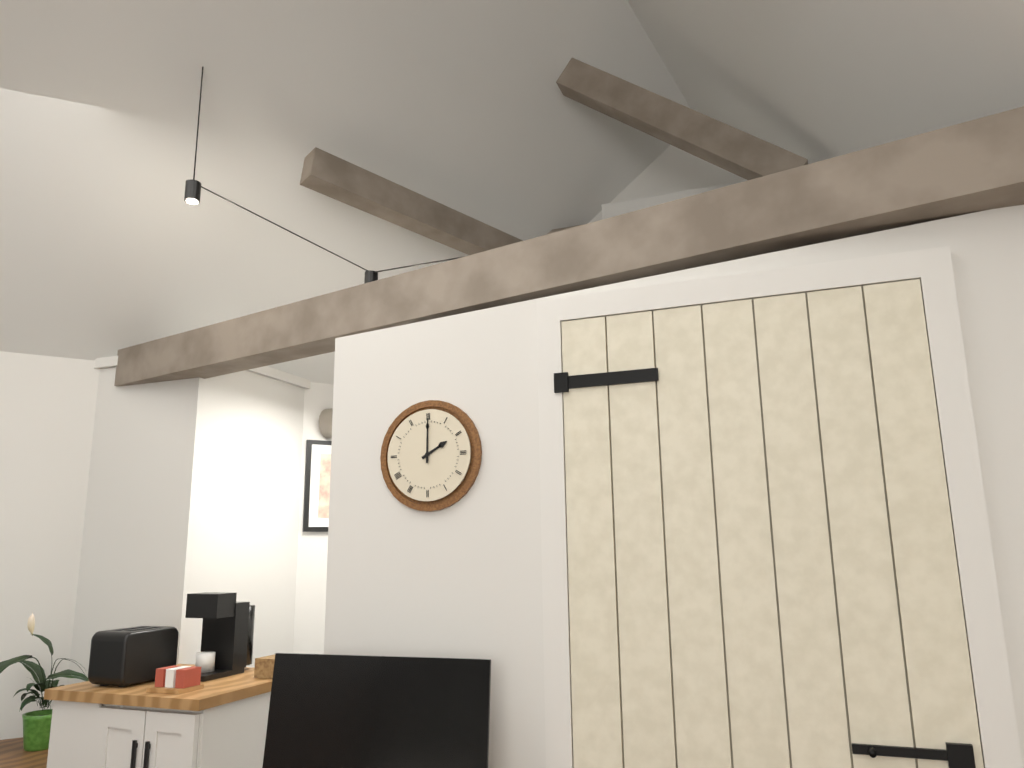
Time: h=2 m=0
